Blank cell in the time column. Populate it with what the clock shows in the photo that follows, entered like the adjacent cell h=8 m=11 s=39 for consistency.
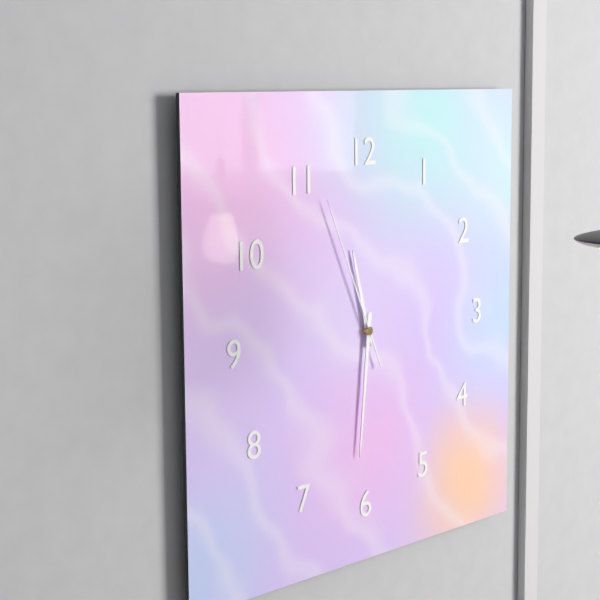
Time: h=11 m=31 s=56
